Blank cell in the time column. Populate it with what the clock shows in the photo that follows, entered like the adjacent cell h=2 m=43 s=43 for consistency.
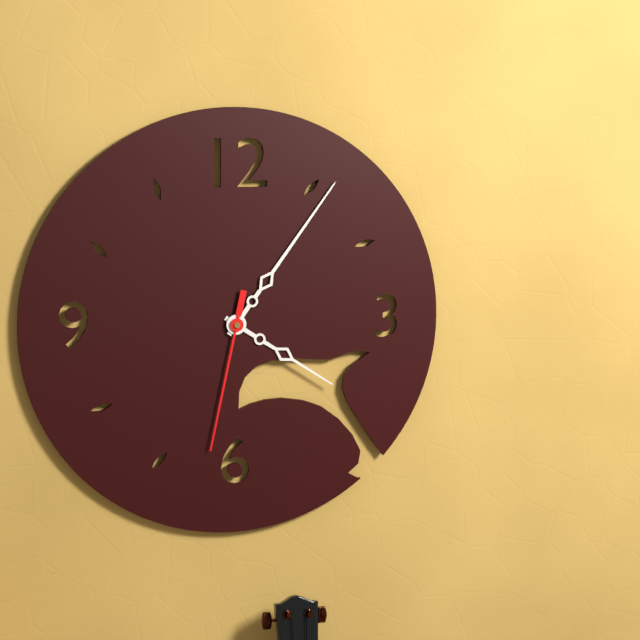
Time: h=4 m=6 s=32
